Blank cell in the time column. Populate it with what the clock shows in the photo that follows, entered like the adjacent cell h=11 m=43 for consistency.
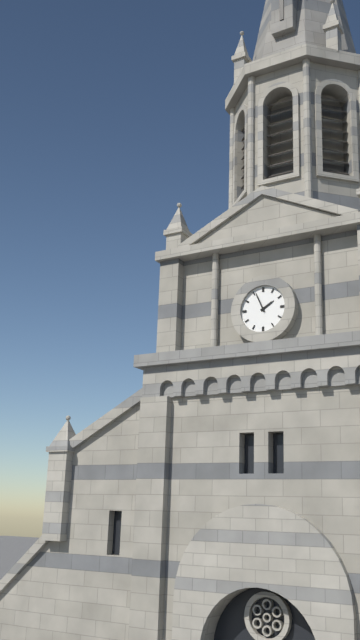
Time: h=1 m=56
